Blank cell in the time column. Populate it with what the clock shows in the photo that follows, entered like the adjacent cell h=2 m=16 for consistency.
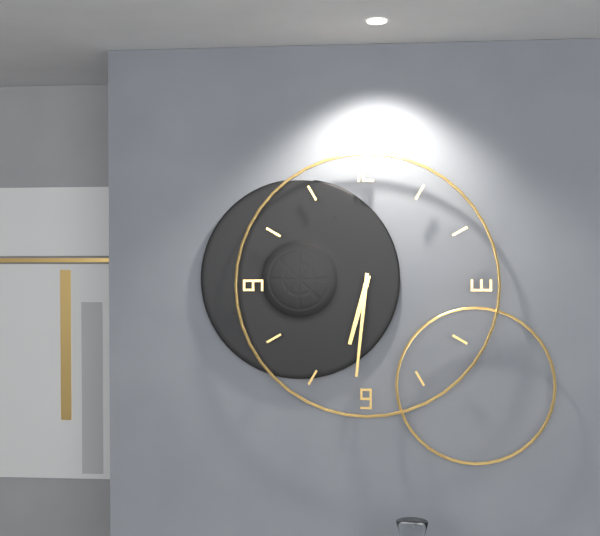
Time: h=6 m=31
